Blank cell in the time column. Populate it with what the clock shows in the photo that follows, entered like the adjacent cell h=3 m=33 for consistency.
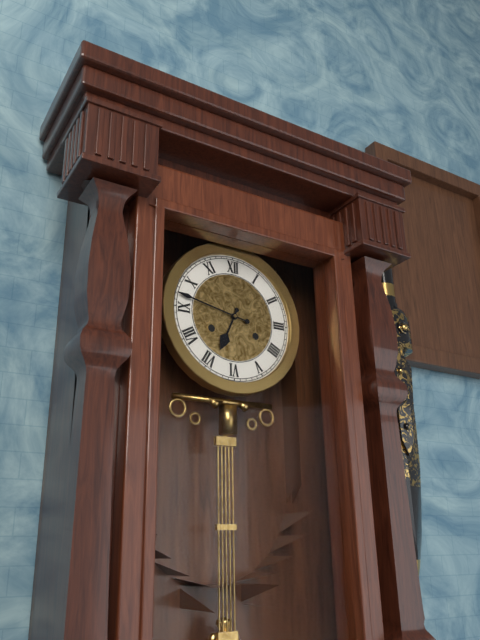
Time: h=6 m=47
